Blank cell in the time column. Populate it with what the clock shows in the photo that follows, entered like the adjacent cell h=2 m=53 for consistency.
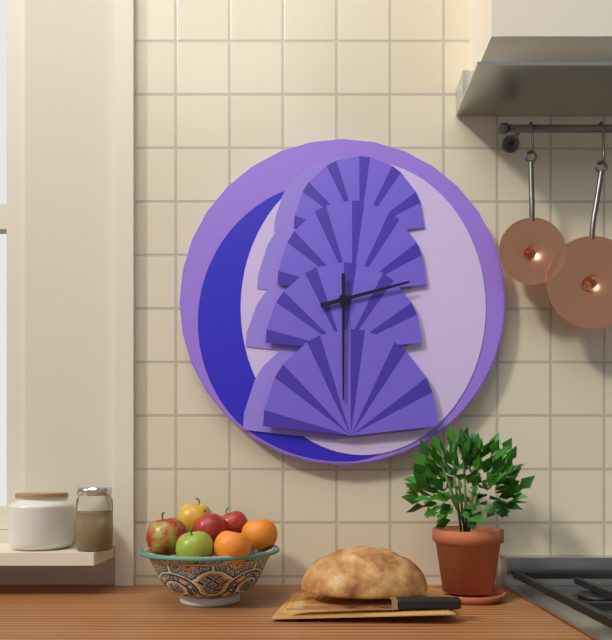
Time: h=2 m=30
